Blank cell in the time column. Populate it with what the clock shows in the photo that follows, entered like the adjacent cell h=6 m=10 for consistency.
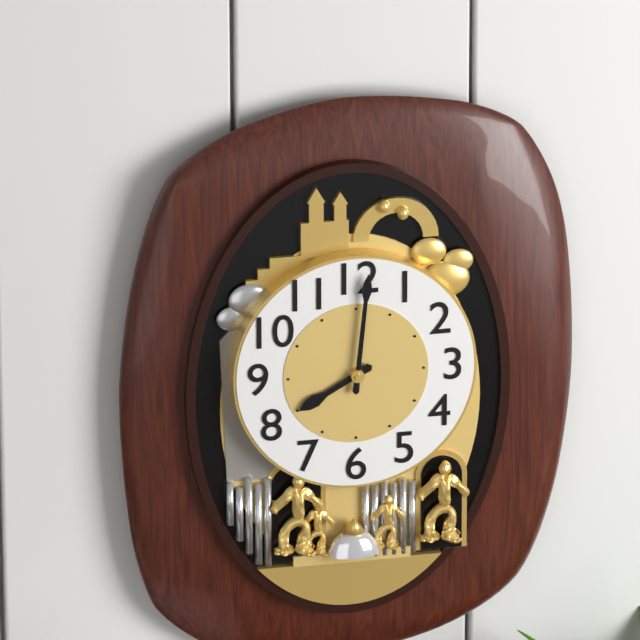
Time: h=8 m=1
